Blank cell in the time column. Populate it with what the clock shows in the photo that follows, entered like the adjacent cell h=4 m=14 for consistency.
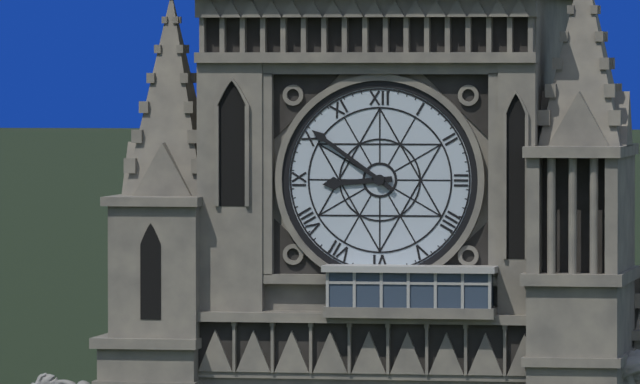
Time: h=8 m=51
